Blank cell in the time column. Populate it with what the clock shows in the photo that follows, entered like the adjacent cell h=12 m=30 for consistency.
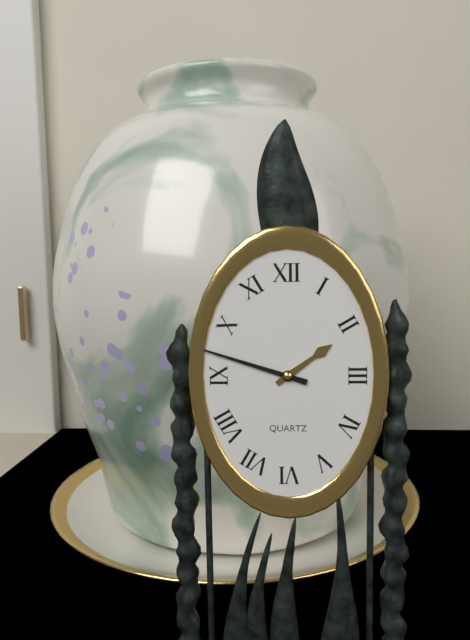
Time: h=1 m=48
